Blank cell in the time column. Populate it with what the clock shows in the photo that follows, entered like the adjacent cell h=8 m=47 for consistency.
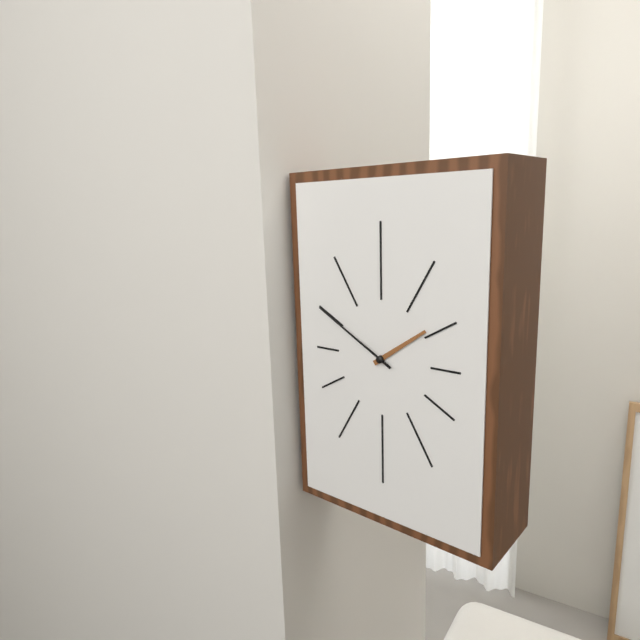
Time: h=1 m=50
